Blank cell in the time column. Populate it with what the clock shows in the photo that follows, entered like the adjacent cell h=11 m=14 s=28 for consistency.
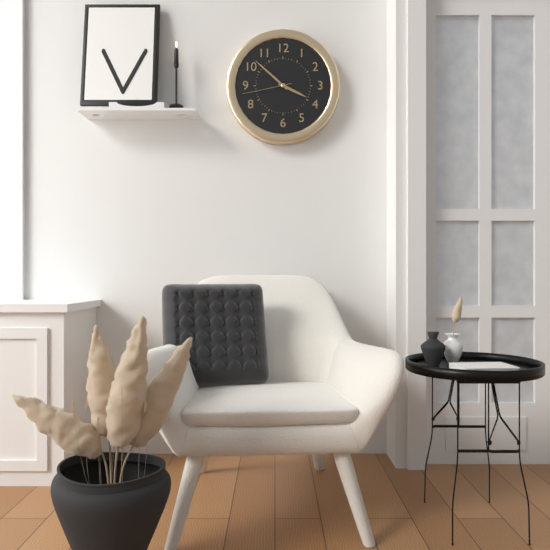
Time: h=3 m=52 s=43
